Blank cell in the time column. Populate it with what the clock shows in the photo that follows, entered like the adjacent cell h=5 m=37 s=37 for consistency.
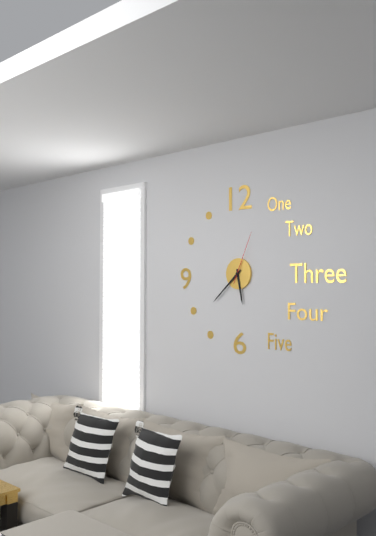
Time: h=5 m=38 s=4
